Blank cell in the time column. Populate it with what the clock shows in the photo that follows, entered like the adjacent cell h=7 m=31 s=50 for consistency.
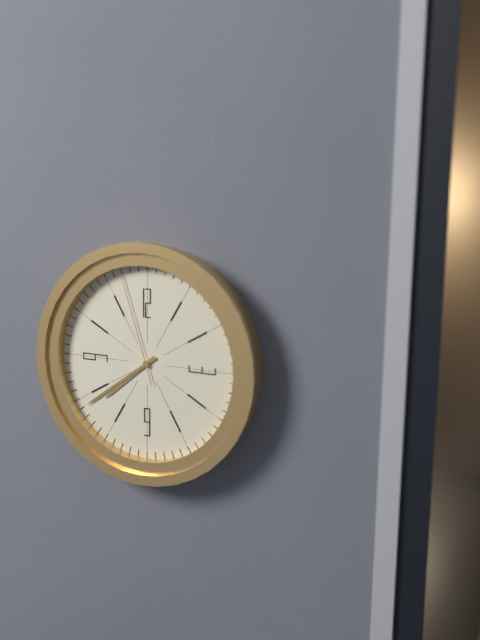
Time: h=7 m=39 s=57
